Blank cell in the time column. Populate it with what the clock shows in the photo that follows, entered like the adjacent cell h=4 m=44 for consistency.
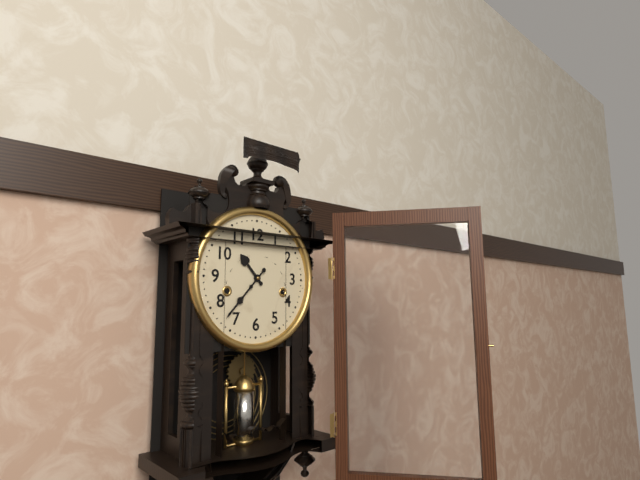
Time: h=10 m=37
